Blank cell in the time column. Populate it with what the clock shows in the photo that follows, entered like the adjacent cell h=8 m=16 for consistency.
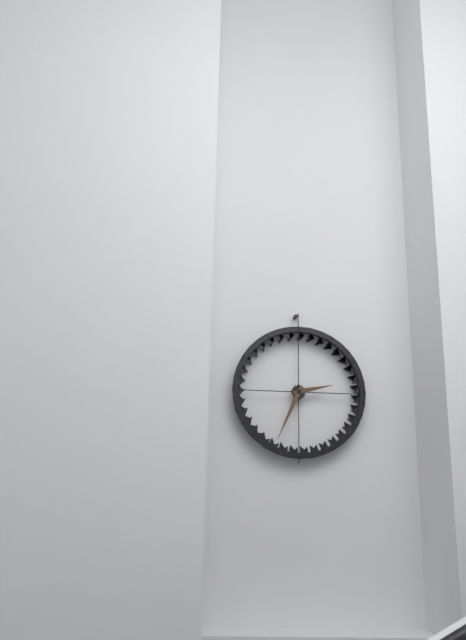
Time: h=2 m=34
